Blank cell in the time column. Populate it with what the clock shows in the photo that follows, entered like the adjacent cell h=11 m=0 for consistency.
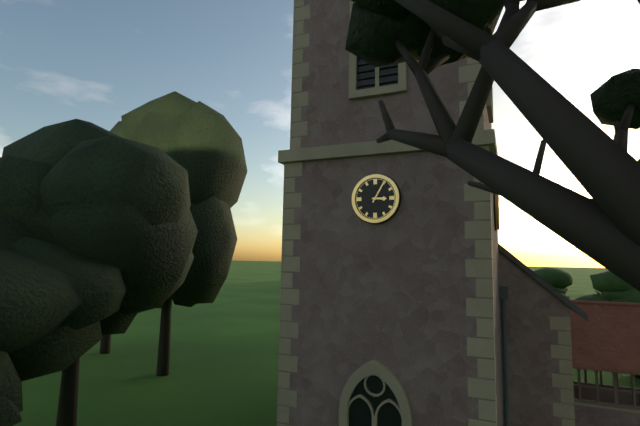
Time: h=3 m=5
